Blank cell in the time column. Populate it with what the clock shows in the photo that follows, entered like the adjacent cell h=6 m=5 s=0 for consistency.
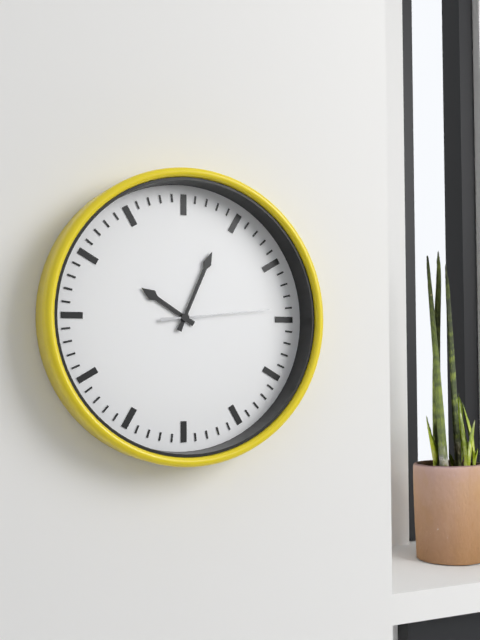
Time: h=10 m=4 s=14
